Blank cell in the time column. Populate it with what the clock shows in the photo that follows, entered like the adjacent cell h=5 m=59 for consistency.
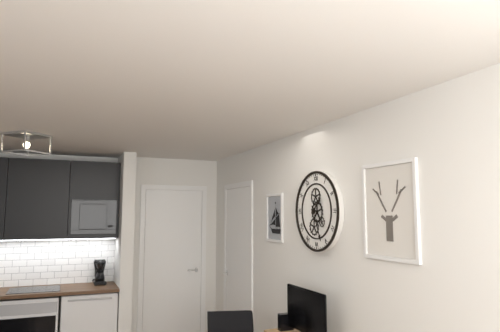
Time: h=1 m=26
